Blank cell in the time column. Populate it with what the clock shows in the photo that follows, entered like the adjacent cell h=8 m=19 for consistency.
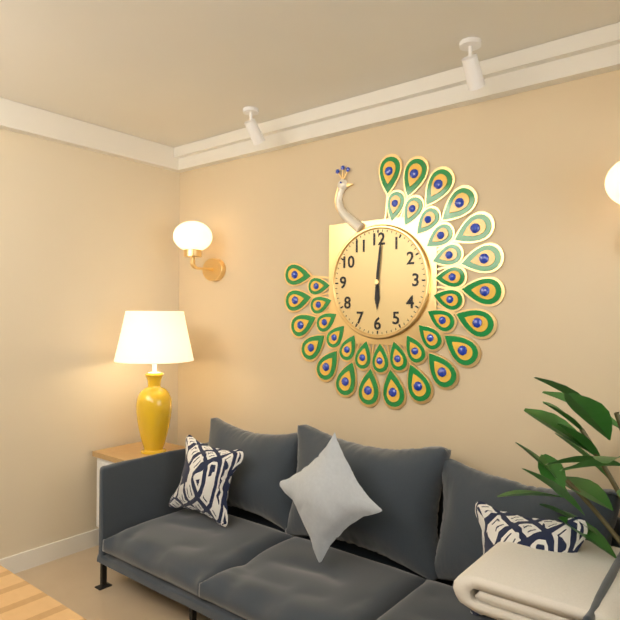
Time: h=6 m=1
